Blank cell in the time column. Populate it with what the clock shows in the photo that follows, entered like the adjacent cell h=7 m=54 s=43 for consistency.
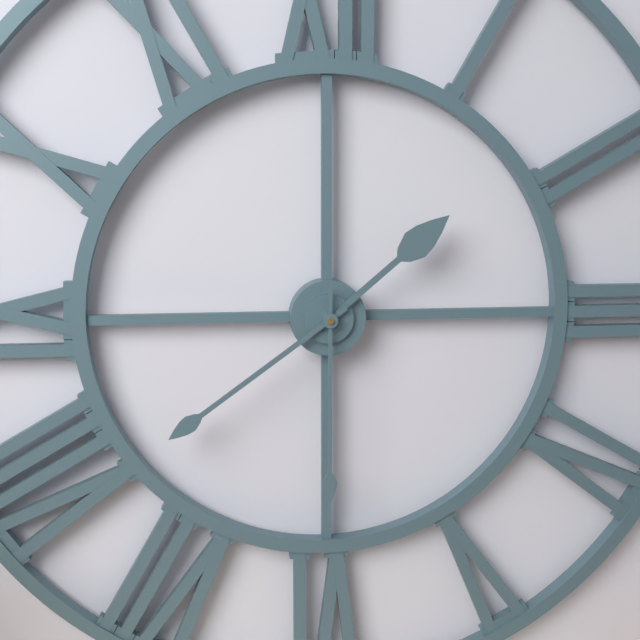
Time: h=1 m=39 s=30
